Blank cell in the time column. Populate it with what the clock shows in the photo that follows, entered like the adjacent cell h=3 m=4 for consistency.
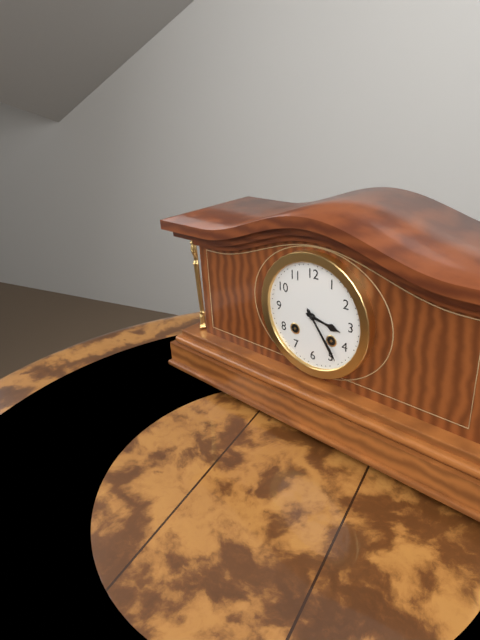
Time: h=3 m=24
